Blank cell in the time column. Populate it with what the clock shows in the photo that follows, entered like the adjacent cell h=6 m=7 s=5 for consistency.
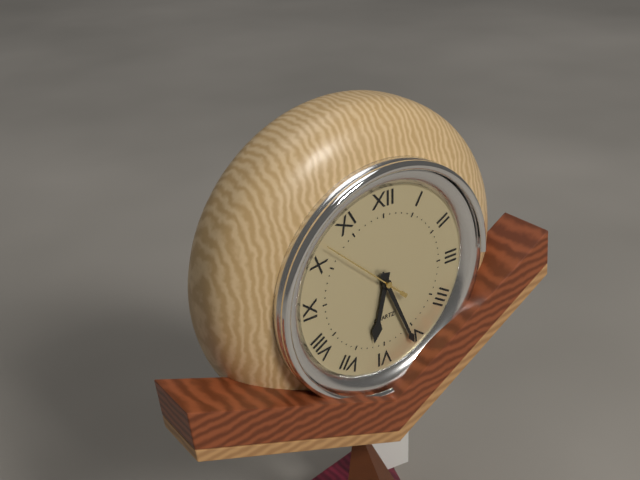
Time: h=6 m=26 s=52
